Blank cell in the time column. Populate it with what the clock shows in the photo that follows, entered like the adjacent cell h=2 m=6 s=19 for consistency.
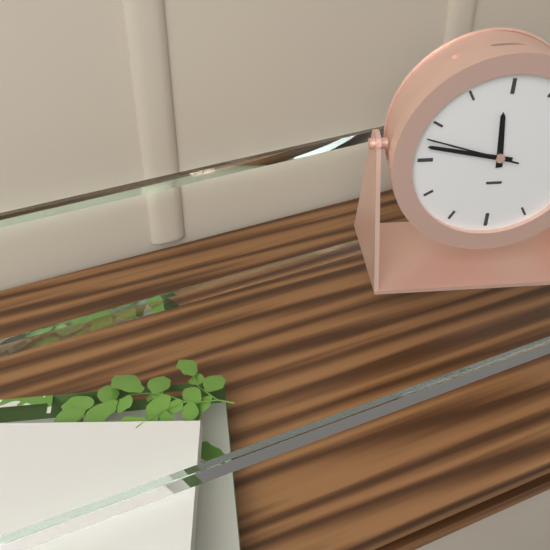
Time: h=11 m=47 s=48
